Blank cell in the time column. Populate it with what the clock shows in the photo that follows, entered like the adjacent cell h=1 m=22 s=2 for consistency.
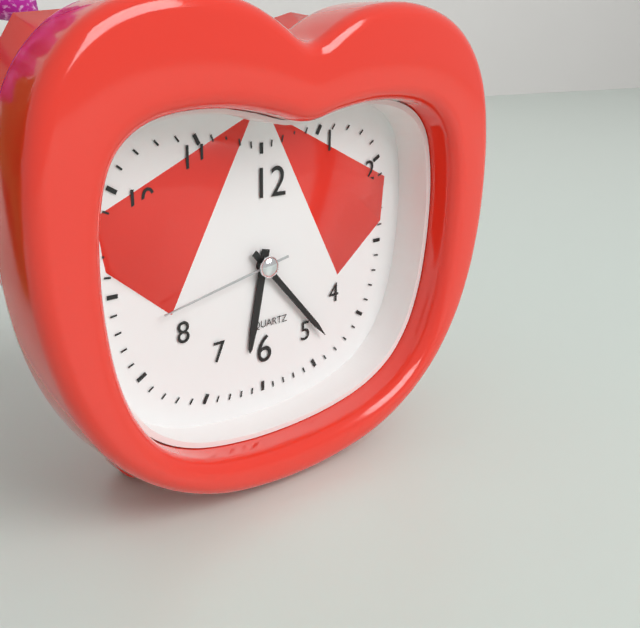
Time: h=6 m=23 s=43
